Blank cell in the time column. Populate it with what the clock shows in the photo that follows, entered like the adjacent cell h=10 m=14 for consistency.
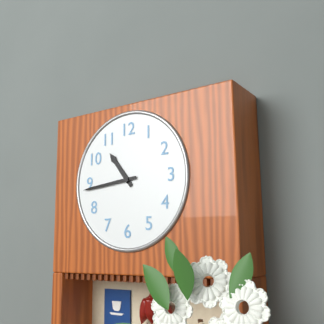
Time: h=10 m=44
